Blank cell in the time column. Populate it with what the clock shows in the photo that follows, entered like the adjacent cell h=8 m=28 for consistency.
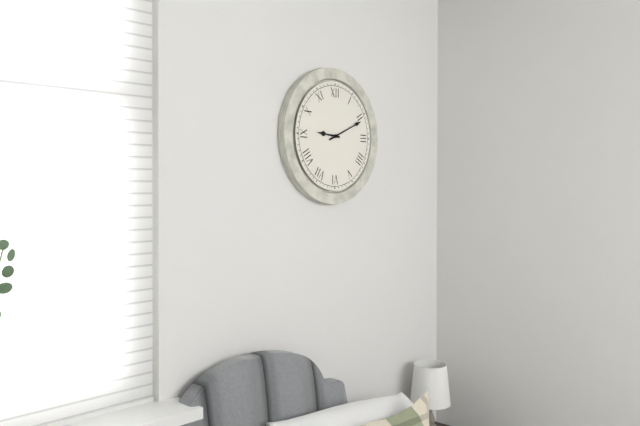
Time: h=9 m=11
